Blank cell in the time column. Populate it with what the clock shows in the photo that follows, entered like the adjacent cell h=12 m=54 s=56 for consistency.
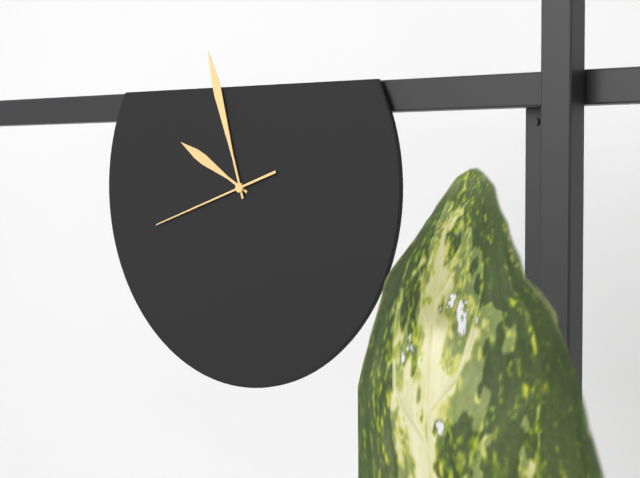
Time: h=9 m=57 s=42
